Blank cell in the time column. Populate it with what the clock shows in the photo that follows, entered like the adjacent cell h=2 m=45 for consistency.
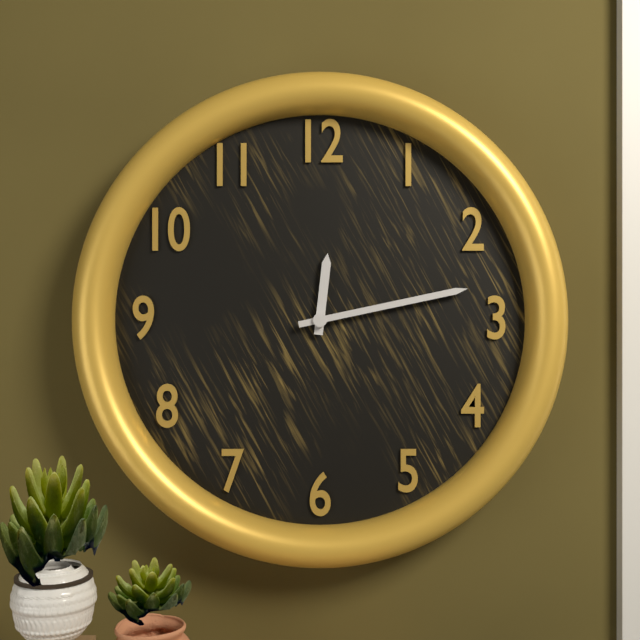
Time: h=12 m=13
